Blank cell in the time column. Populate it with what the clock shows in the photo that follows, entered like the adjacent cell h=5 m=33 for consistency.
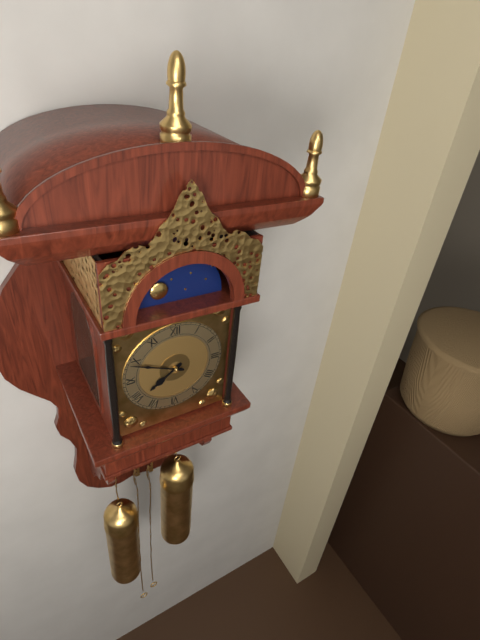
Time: h=7 m=49
